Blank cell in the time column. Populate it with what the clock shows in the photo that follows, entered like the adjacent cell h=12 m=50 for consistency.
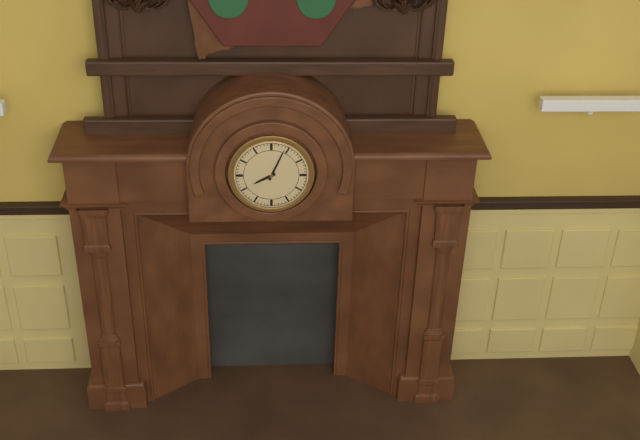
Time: h=8 m=4
